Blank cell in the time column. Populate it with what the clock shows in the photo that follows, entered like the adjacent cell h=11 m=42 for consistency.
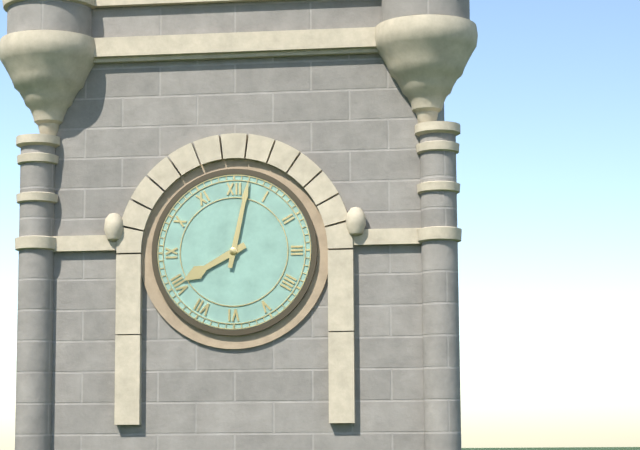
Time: h=8 m=2
